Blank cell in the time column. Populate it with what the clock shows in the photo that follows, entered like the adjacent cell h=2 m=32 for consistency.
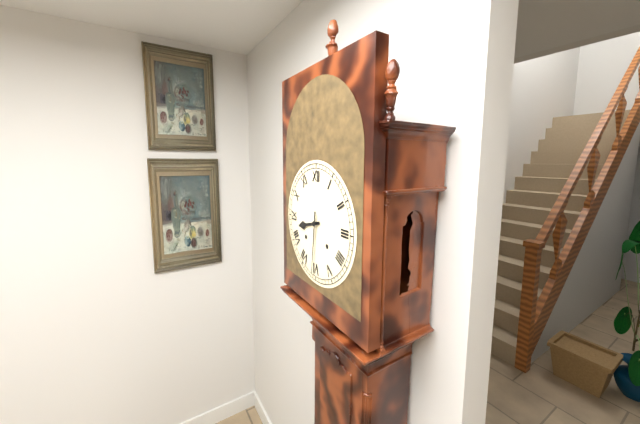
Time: h=8 m=31
